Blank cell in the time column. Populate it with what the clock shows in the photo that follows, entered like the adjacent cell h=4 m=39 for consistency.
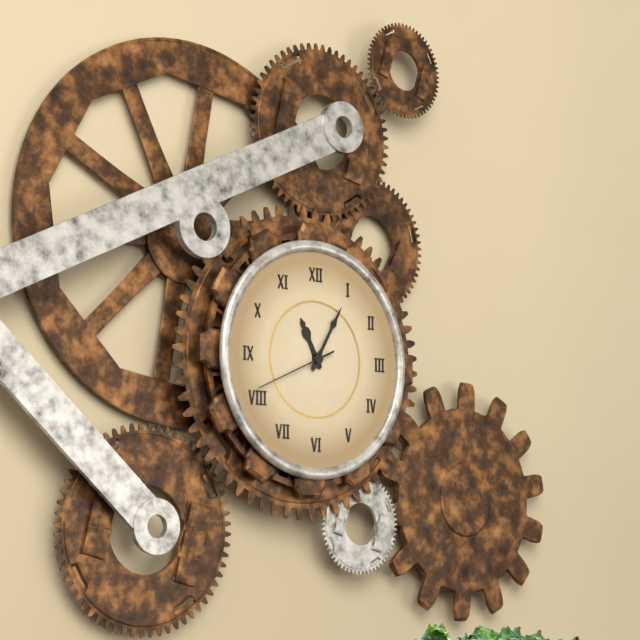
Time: h=11 m=5
